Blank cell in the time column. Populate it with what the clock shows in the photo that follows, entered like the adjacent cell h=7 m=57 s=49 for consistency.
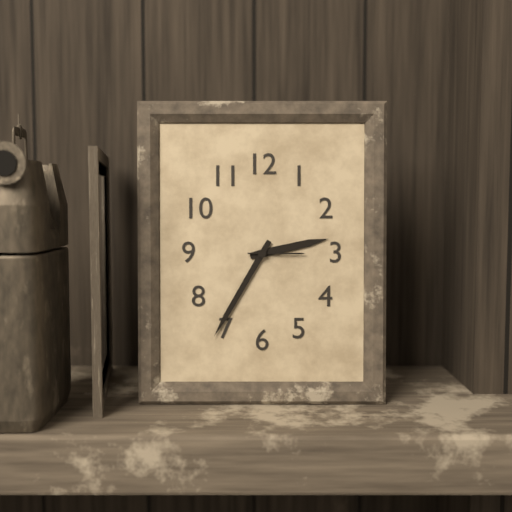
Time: h=2 m=35 s=15
